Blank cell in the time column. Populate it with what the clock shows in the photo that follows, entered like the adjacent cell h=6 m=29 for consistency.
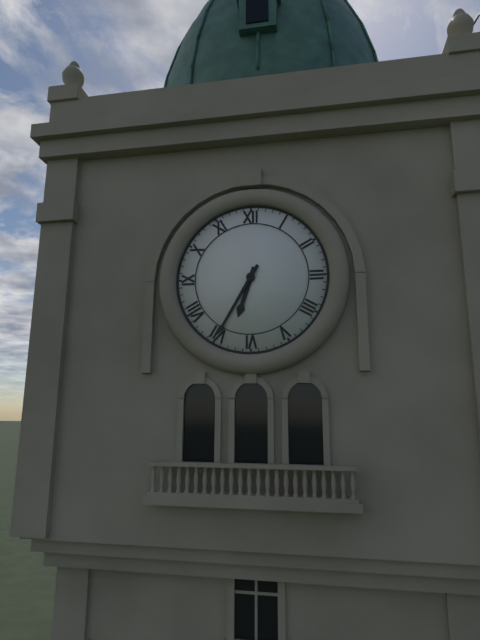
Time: h=6 m=35
